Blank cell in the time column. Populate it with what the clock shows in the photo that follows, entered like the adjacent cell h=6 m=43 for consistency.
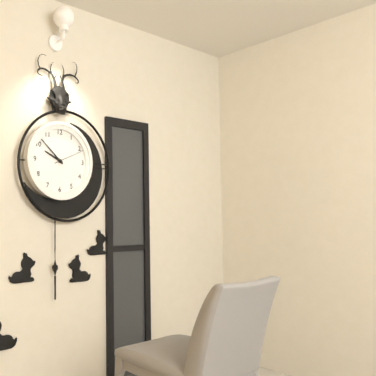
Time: h=9 m=52
